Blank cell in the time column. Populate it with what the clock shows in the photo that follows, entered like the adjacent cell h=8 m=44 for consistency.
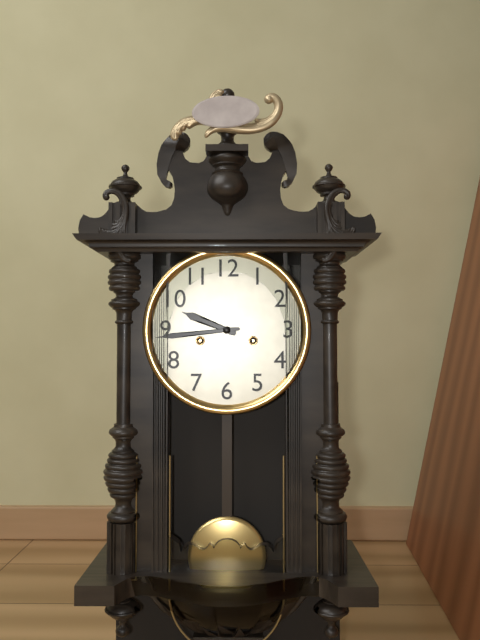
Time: h=9 m=44
